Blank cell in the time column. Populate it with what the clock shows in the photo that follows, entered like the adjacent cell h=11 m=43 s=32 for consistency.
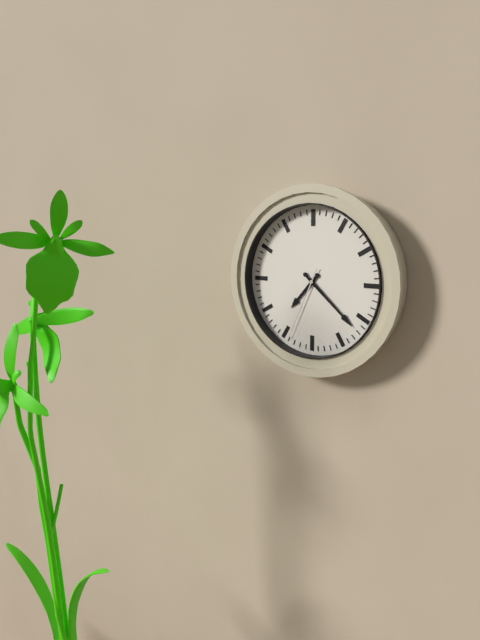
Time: h=7 m=22 s=34
